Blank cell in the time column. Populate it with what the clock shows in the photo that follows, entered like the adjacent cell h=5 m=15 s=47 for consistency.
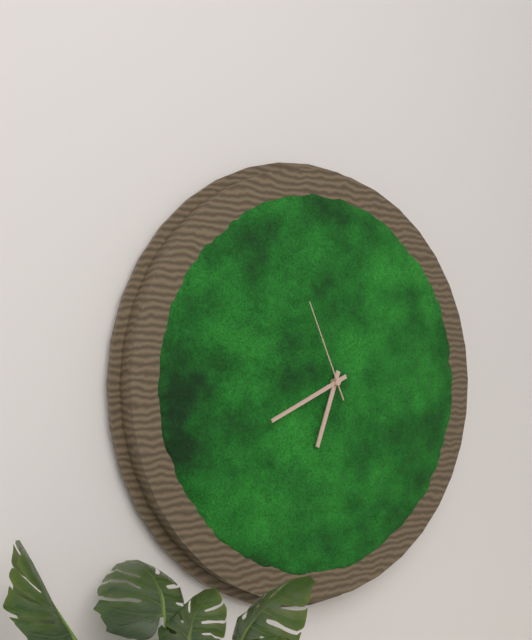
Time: h=6 m=41 s=56
